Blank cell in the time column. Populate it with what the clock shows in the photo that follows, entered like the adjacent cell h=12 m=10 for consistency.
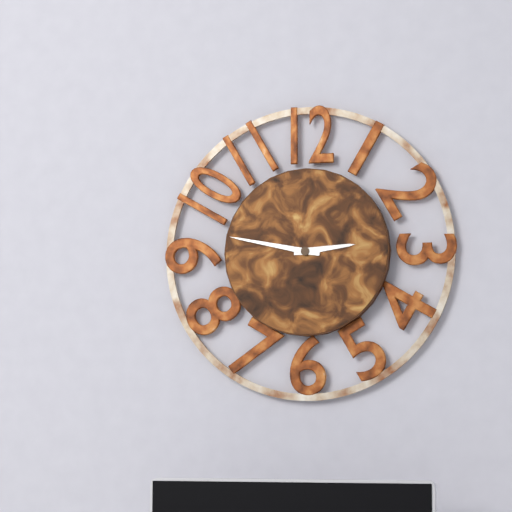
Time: h=2 m=47
